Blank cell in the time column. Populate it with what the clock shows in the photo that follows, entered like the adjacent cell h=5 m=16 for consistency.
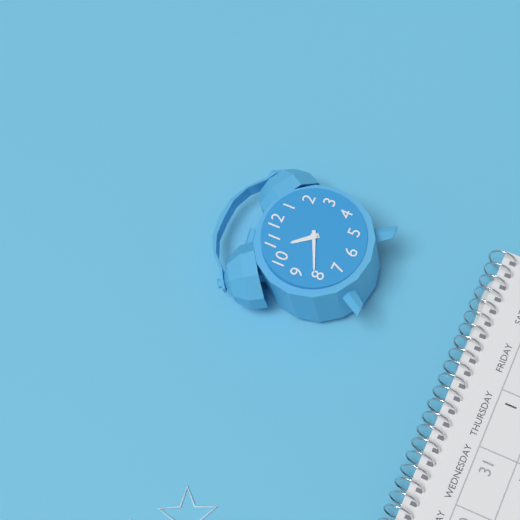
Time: h=10 m=41
